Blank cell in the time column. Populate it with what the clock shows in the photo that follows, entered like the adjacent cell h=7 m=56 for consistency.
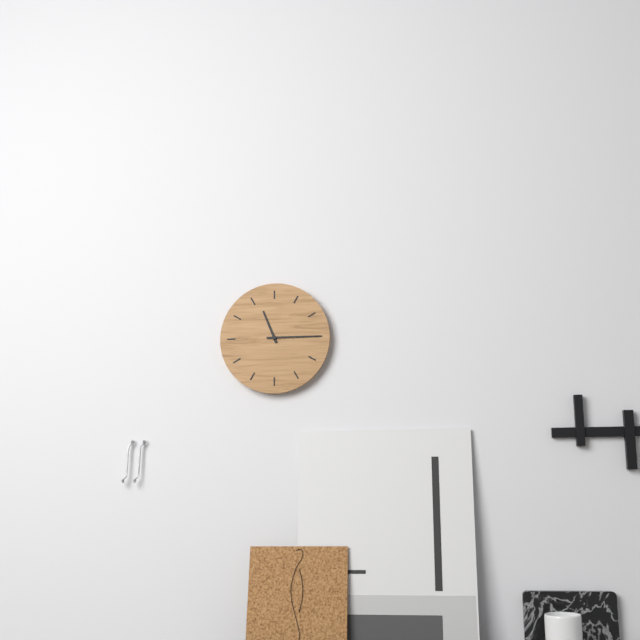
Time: h=11 m=15
